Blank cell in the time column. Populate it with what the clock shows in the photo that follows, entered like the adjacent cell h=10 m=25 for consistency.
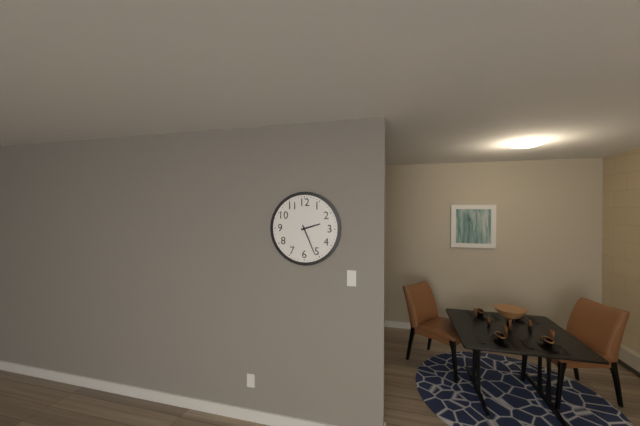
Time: h=2 m=26
